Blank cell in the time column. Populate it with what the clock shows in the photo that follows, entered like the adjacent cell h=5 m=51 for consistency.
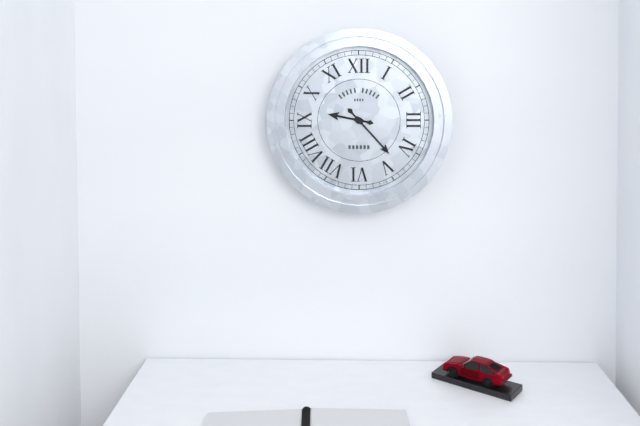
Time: h=9 m=23
